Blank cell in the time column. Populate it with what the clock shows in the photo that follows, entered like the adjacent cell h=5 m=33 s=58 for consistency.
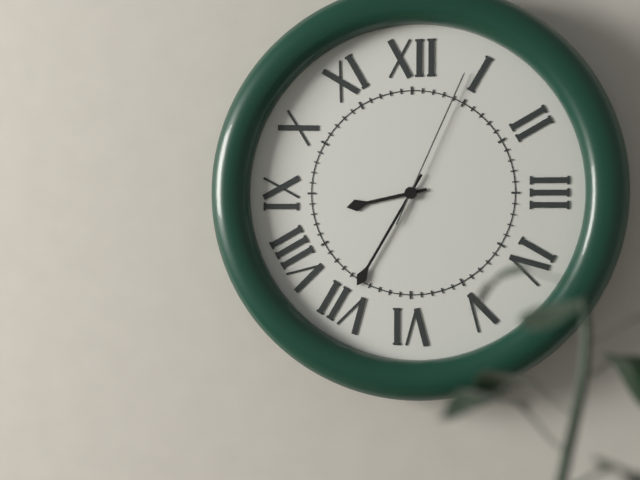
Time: h=8 m=35 s=4
